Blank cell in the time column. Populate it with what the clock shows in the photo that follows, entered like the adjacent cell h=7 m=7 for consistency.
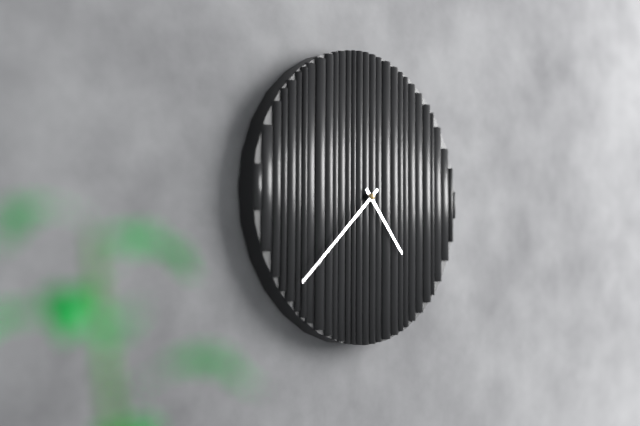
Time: h=4 m=38
